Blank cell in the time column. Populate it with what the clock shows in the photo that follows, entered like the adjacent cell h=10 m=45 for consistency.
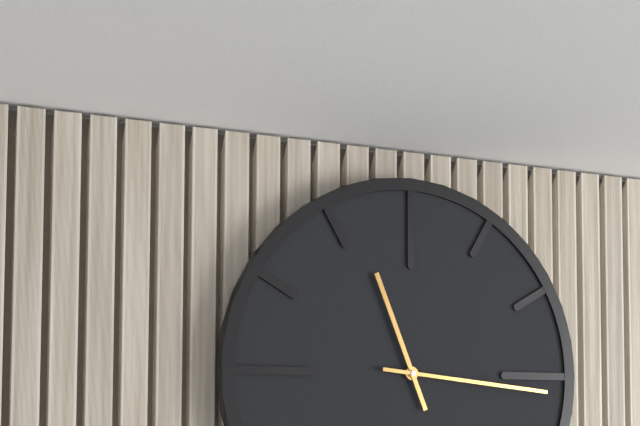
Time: h=11 m=16
